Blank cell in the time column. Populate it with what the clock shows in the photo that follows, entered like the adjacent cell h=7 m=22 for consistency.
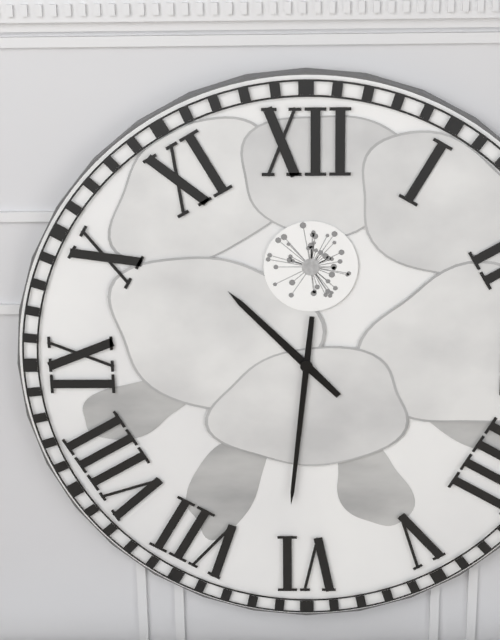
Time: h=10 m=31
